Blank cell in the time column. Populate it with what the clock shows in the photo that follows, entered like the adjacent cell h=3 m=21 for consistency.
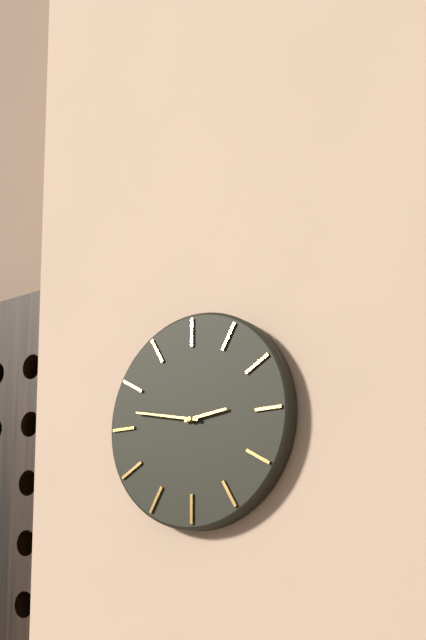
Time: h=2 m=47
